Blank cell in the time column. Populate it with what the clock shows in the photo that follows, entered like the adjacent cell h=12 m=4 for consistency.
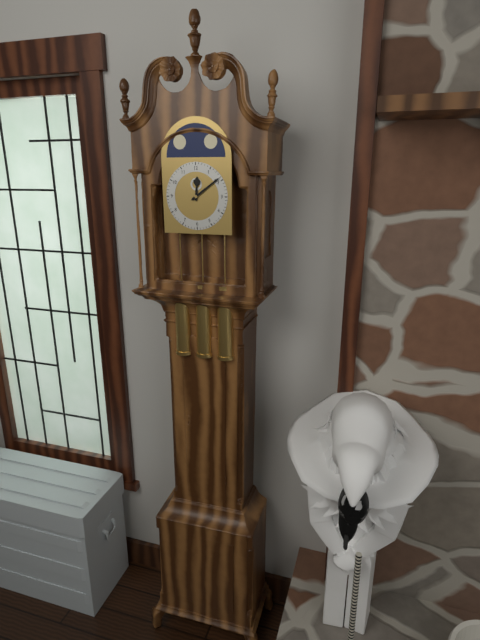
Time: h=12 m=9
